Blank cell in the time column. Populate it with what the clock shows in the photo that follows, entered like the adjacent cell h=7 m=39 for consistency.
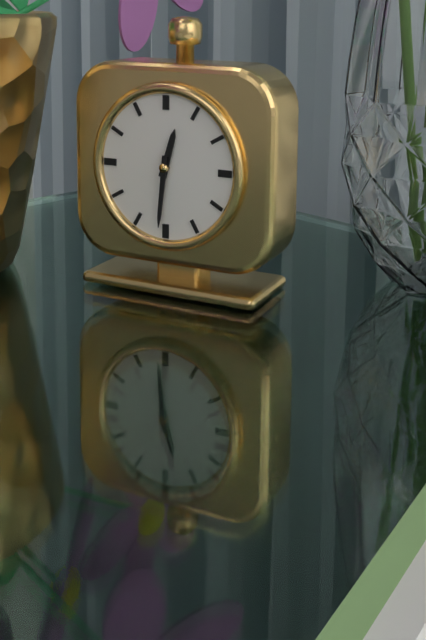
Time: h=12 m=31
